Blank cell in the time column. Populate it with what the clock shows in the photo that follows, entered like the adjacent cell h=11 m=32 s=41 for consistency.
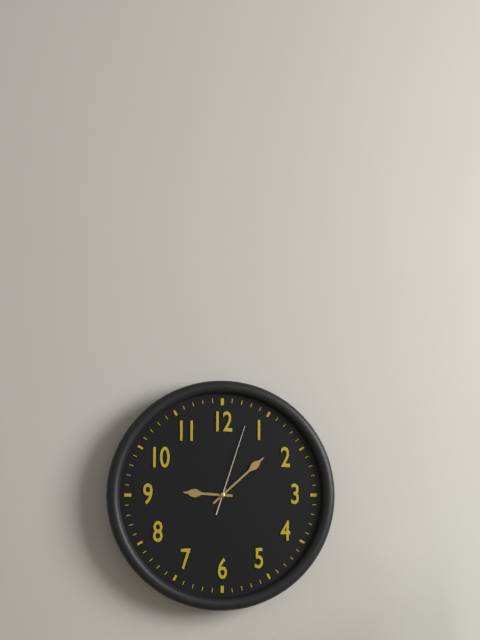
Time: h=9 m=8 s=3
